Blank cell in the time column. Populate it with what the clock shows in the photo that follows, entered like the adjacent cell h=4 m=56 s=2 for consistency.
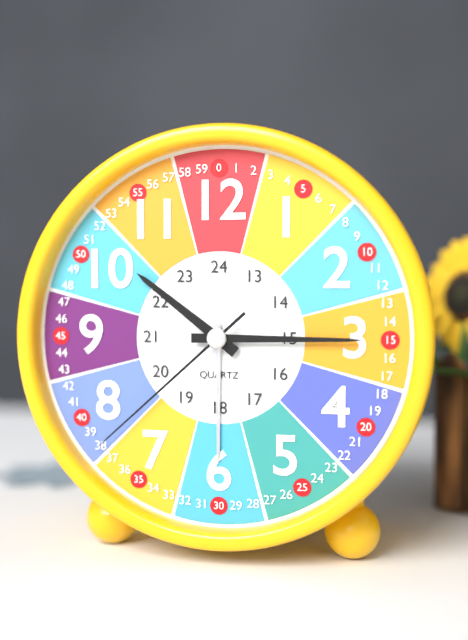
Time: h=10 m=15 s=38
